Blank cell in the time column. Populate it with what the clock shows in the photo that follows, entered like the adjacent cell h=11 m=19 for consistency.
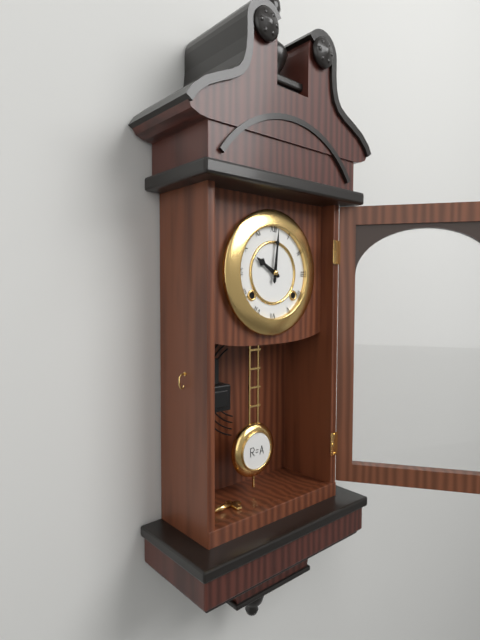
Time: h=10 m=1
